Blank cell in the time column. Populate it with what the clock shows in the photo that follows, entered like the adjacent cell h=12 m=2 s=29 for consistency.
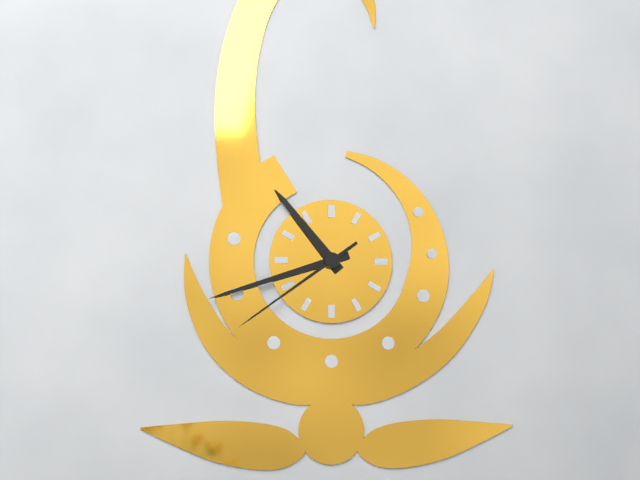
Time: h=10 m=42 s=39
